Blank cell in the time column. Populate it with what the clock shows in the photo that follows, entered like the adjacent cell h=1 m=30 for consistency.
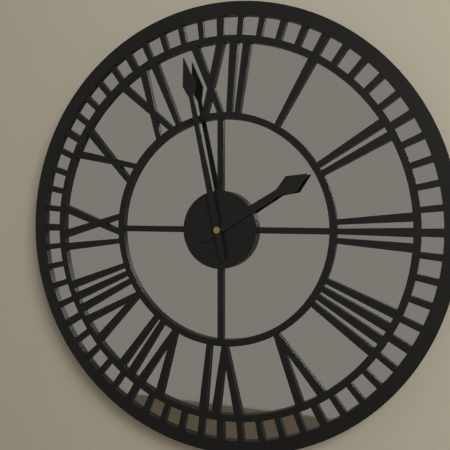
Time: h=1 m=58
